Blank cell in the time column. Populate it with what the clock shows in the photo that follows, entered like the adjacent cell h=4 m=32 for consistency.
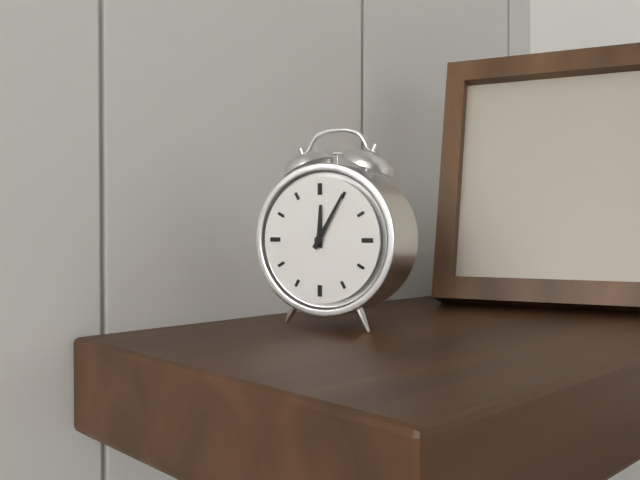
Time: h=12 m=5
